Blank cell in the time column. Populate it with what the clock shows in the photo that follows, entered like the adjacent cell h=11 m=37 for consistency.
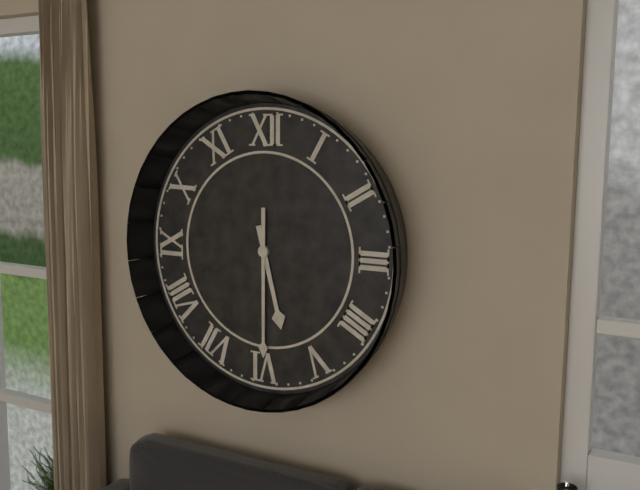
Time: h=5 m=30
